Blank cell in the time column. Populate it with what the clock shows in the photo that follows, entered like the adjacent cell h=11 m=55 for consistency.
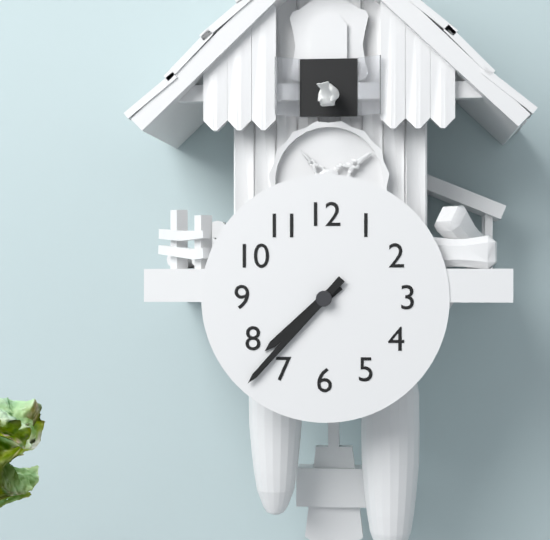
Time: h=7 m=37
